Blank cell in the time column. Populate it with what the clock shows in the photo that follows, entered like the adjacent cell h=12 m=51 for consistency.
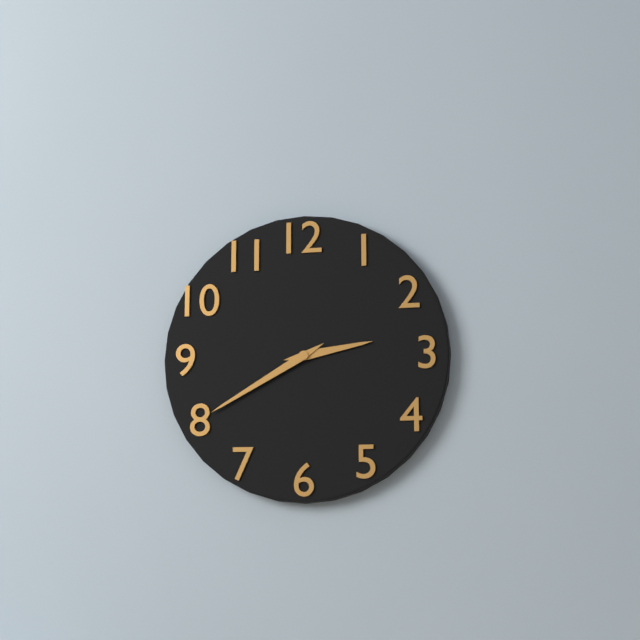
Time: h=2 m=40
